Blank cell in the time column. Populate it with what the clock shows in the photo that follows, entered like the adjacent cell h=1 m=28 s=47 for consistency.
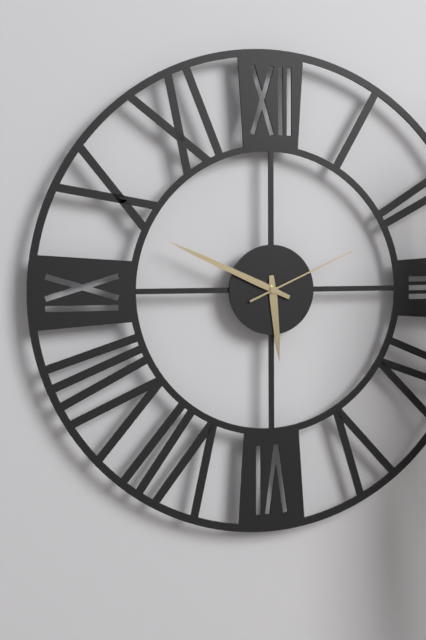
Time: h=5 m=49 s=11
